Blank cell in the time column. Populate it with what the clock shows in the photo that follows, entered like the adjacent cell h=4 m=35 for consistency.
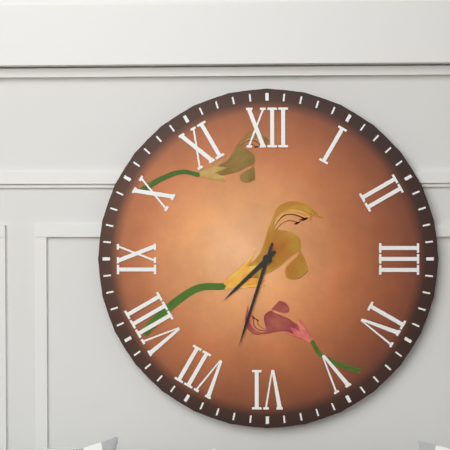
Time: h=7 m=33
